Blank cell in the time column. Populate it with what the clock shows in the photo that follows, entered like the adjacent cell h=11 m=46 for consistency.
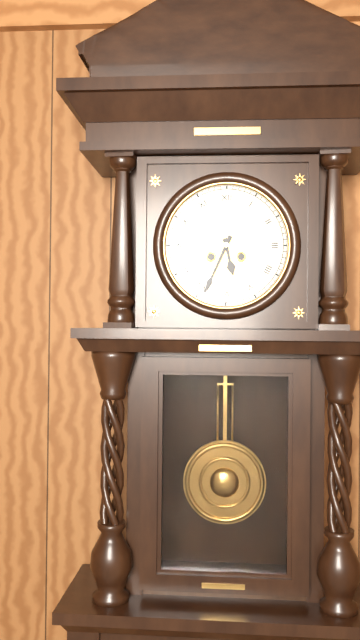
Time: h=5 m=34
